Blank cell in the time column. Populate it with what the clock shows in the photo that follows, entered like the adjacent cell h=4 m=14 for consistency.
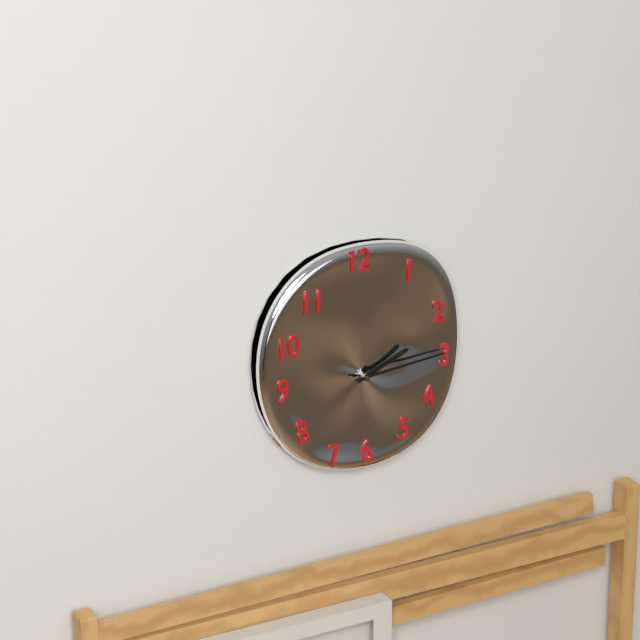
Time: h=2 m=14
